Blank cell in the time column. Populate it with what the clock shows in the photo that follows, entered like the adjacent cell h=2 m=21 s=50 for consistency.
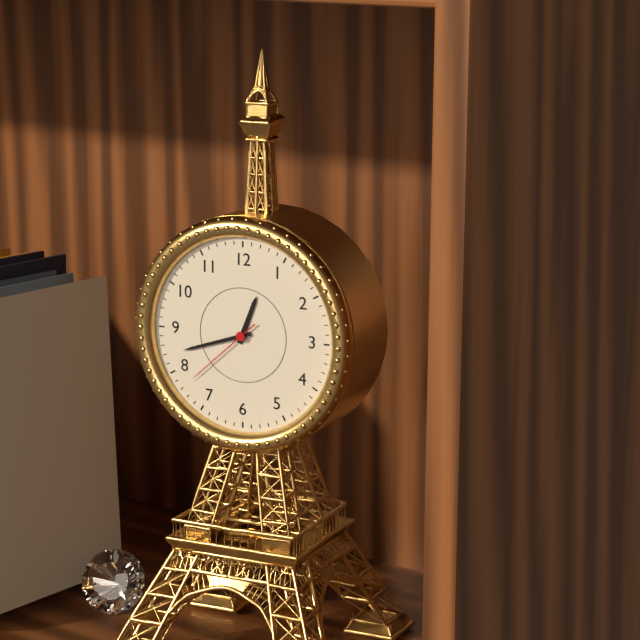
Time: h=12 m=42 s=38
